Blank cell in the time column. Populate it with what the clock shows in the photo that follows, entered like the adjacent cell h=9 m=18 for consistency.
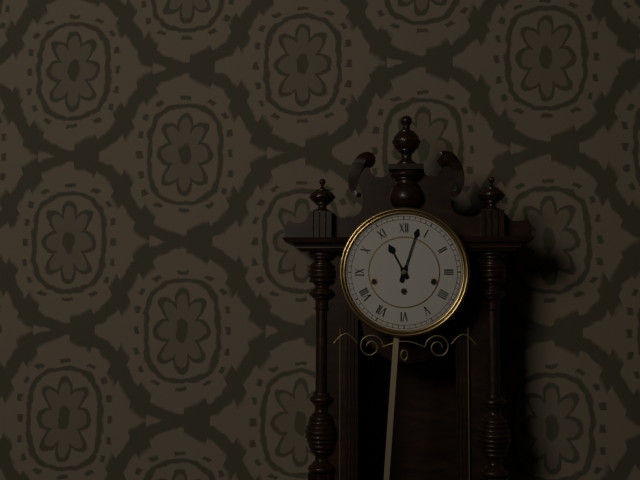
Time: h=11 m=3
